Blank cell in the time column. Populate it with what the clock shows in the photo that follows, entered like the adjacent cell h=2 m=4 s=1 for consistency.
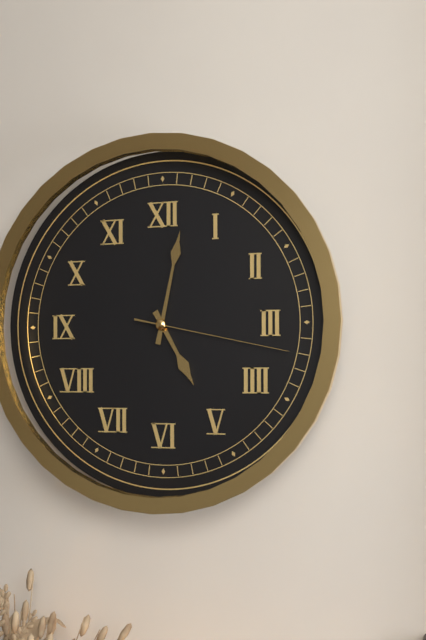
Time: h=5 m=2 s=17
